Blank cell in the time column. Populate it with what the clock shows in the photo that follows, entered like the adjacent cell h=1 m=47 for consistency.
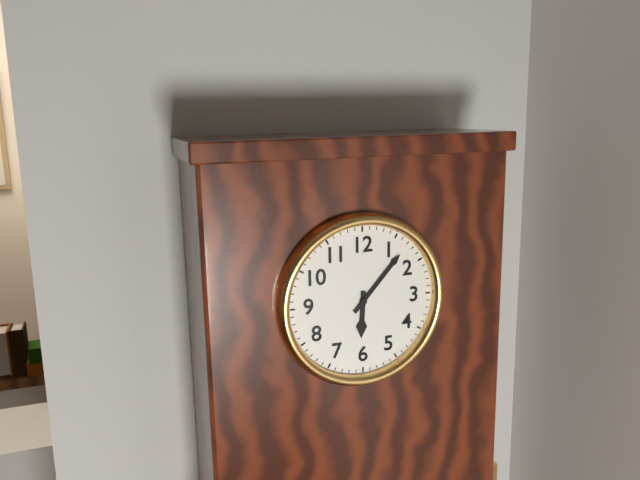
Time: h=6 m=7
